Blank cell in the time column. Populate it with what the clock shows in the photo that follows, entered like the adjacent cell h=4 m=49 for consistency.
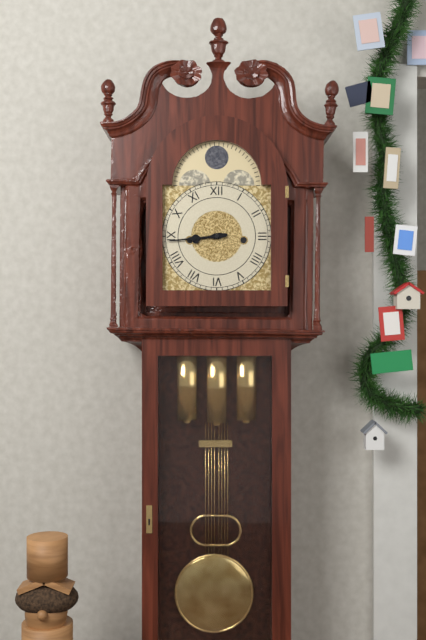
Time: h=8 m=44
